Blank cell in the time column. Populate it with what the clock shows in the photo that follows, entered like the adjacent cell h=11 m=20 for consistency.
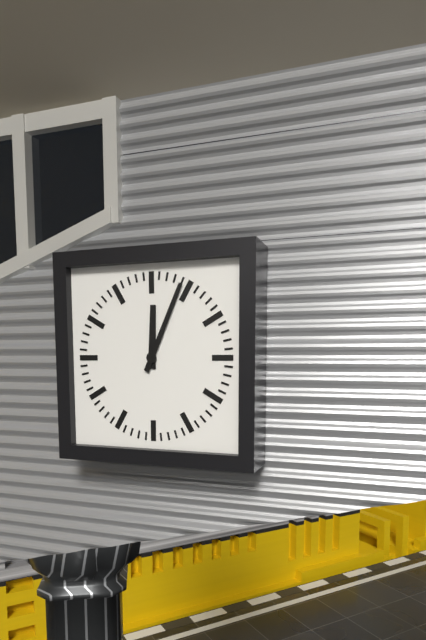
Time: h=12 m=4
